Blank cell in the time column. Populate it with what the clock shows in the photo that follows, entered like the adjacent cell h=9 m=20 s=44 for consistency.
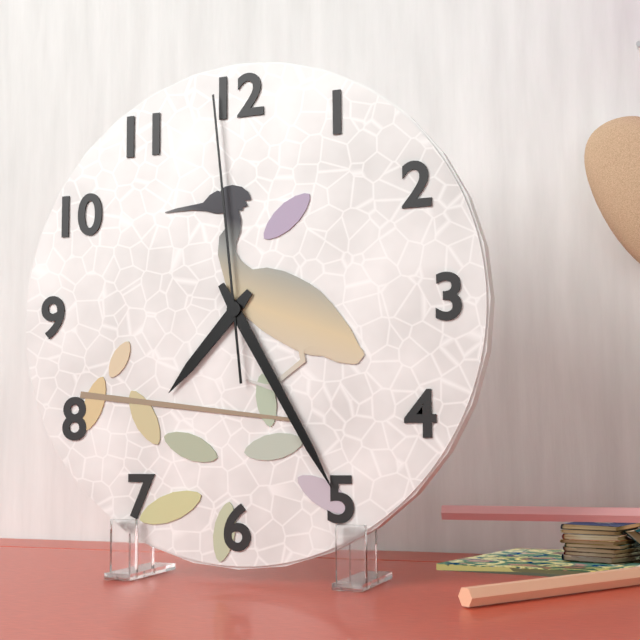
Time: h=7 m=25 s=59
